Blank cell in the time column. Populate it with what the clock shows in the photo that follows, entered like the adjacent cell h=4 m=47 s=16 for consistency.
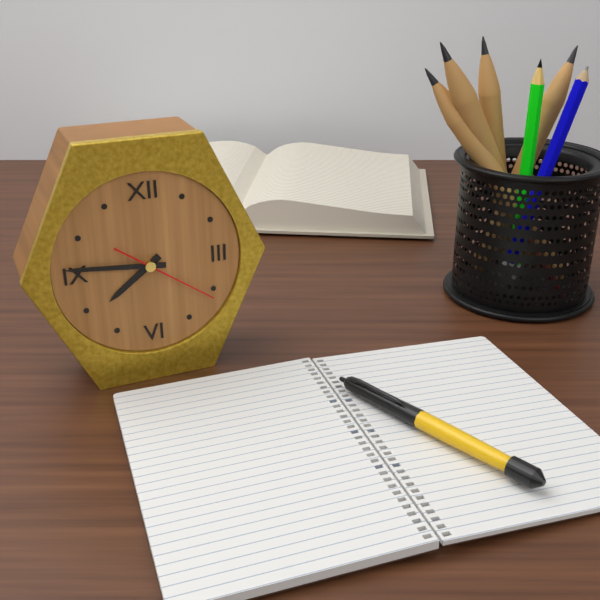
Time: h=7 m=46 s=21
